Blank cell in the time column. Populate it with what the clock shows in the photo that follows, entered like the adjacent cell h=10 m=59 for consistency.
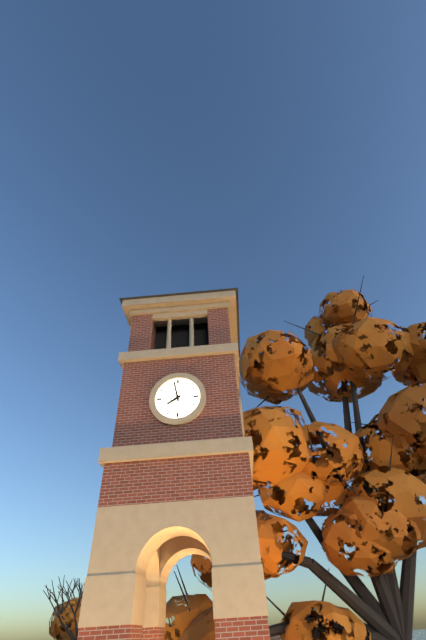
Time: h=7 m=58
